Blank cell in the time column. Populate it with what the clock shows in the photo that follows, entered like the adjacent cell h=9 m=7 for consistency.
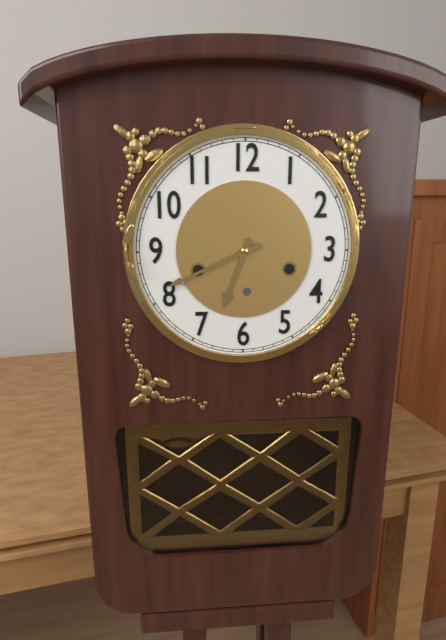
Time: h=6 m=41
